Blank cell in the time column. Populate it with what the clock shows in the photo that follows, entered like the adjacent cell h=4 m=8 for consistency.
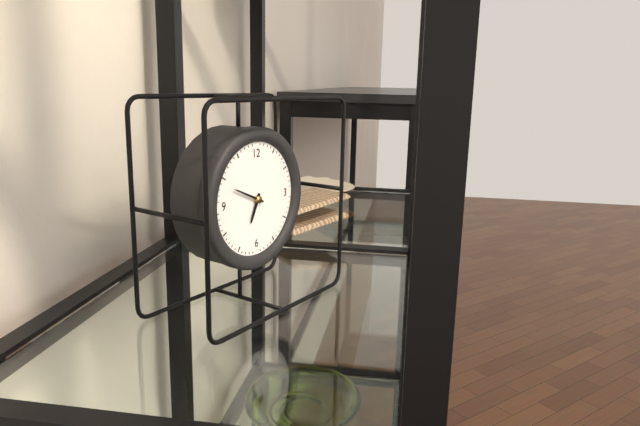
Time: h=6 m=49
